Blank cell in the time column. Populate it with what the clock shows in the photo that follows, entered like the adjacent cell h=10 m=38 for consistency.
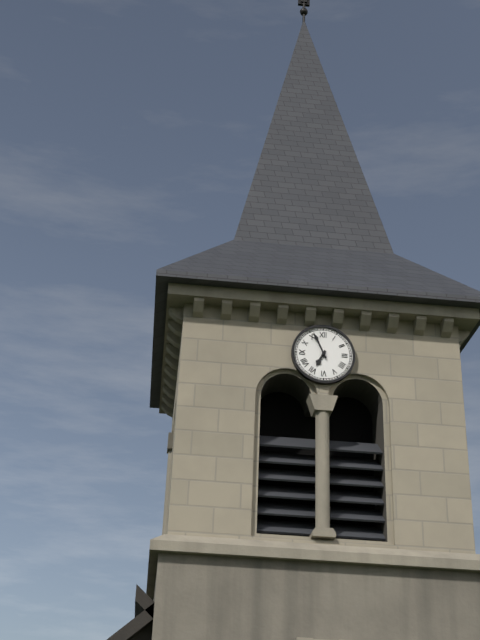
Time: h=6 m=56
